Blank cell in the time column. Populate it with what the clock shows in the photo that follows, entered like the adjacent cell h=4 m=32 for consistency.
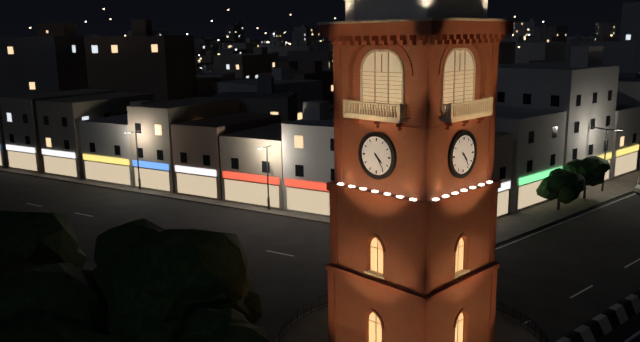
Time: h=4 m=24
